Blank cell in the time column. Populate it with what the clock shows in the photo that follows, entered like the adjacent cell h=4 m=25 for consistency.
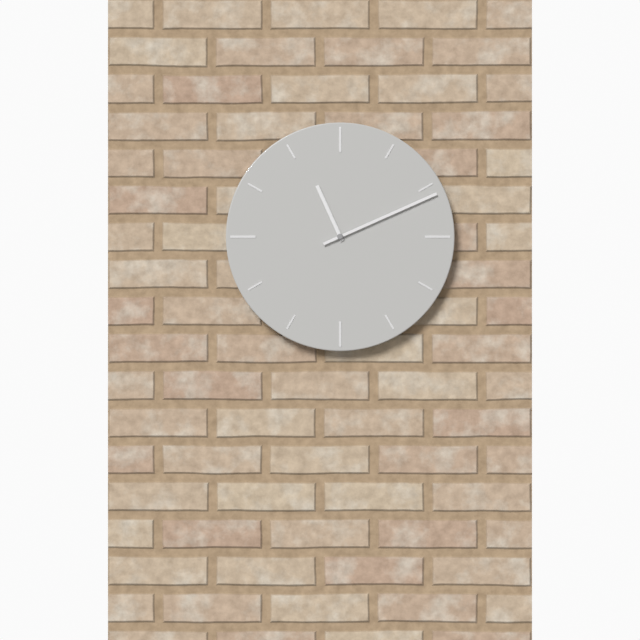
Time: h=11 m=11
